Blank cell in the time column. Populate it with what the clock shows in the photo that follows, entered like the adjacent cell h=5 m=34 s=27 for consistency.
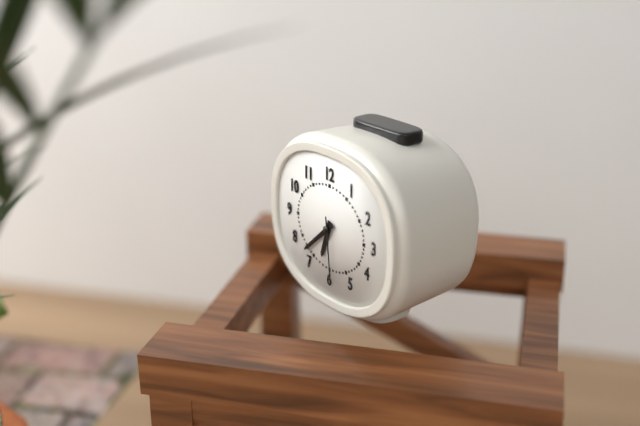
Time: h=6 m=38 s=29
